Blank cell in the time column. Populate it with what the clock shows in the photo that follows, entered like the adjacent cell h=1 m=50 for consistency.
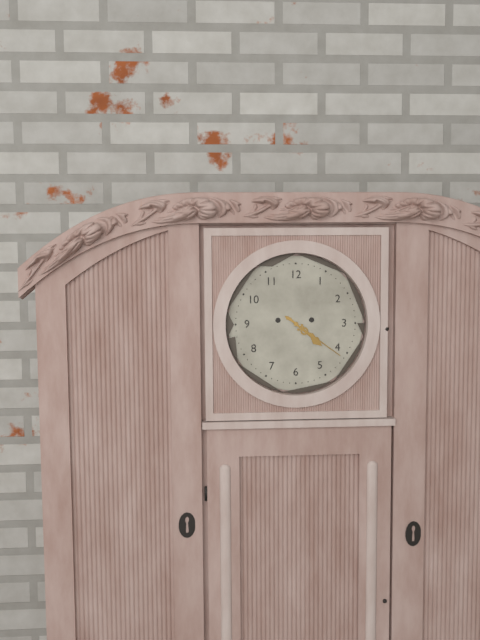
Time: h=4 m=21
